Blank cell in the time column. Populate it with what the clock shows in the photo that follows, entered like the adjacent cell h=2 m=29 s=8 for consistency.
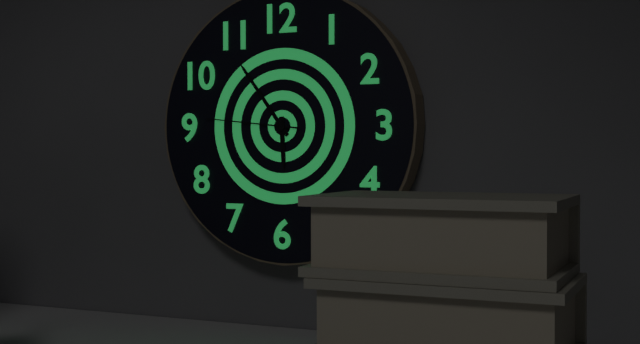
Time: h=5 m=54 s=46
